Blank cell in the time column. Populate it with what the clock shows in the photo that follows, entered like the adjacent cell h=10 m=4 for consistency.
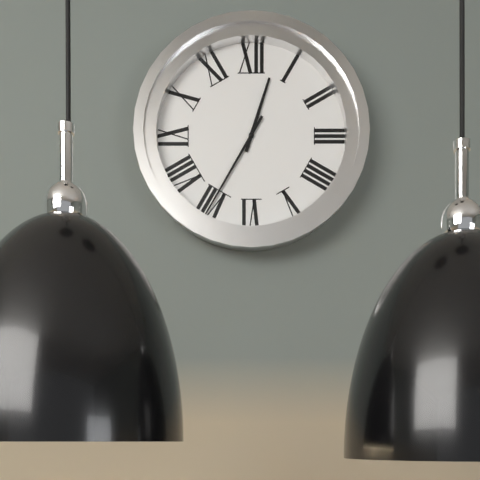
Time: h=12 m=35
